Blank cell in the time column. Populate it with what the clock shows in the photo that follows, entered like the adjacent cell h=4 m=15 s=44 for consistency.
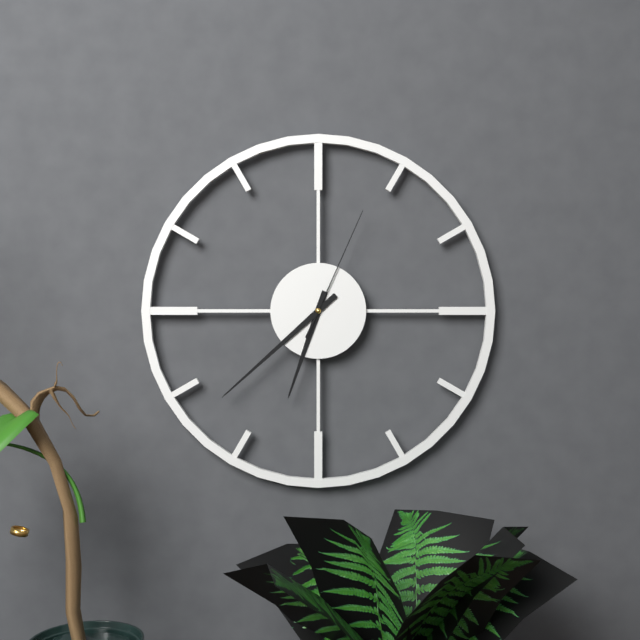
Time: h=6 m=38 s=4
